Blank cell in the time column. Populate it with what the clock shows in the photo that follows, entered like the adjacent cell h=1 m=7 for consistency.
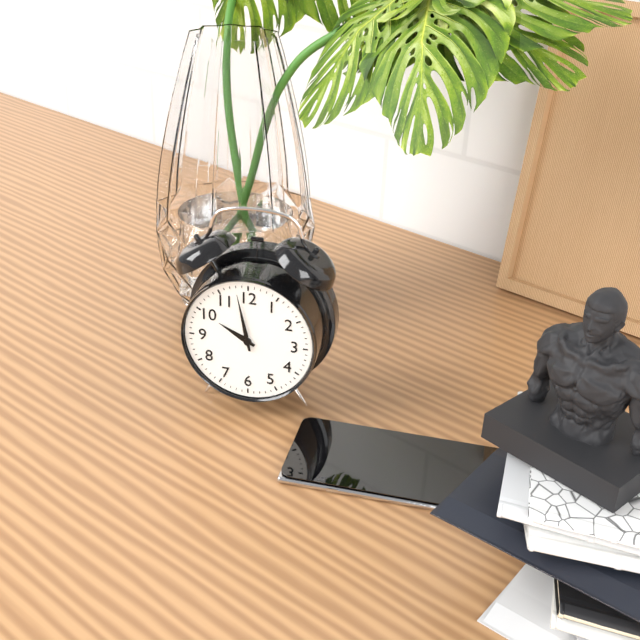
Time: h=9 m=58
